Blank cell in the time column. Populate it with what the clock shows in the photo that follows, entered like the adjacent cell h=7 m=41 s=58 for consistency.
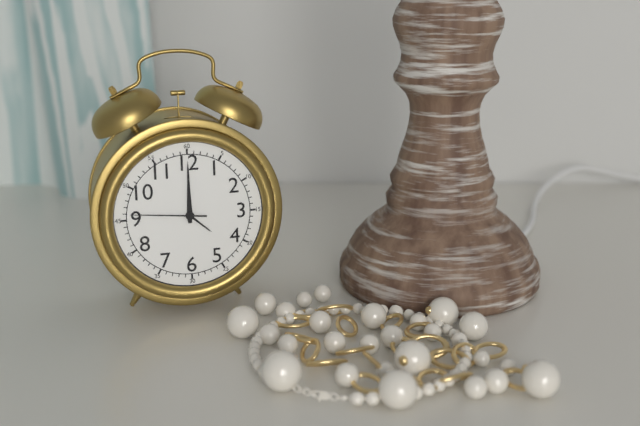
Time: h=12 m=0 s=46
